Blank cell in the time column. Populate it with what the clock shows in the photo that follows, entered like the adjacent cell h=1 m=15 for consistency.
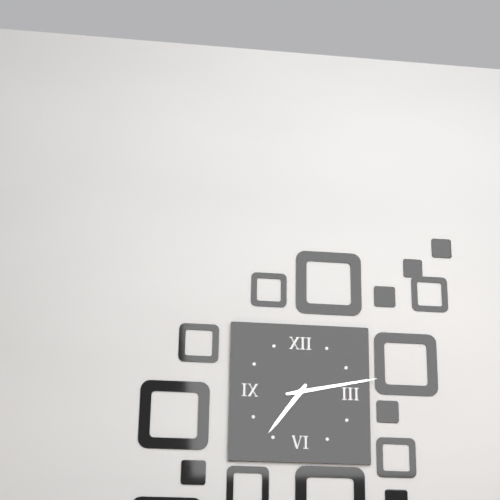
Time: h=7 m=13
